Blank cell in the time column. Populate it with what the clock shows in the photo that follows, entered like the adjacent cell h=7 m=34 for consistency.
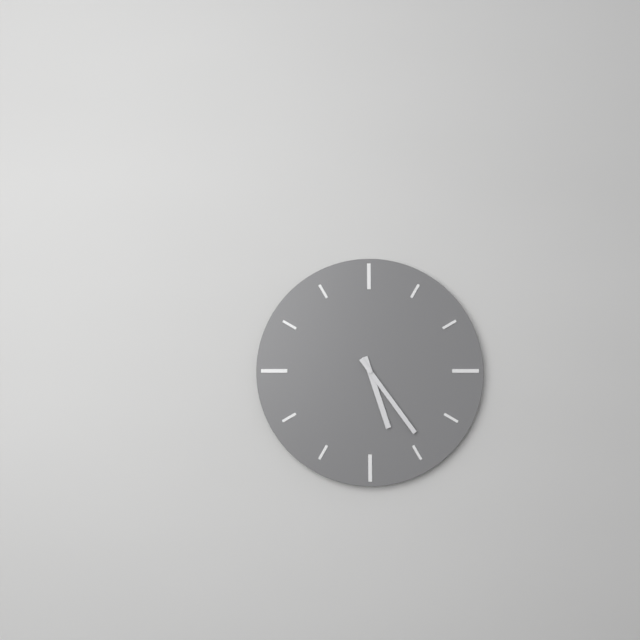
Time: h=5 m=24
